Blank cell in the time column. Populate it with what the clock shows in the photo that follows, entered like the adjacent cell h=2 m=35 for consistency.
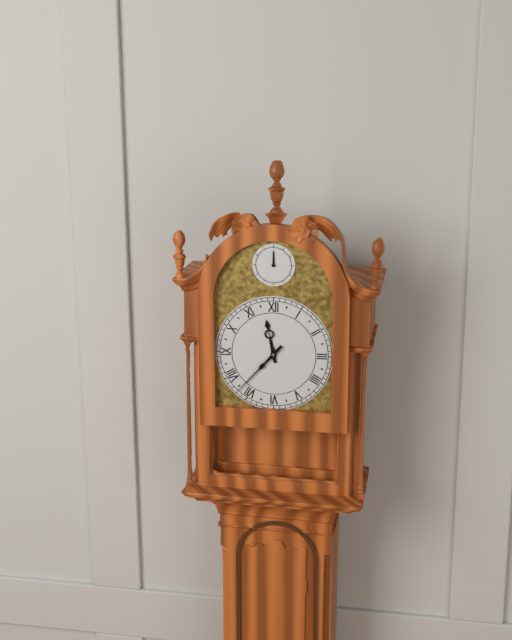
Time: h=11 m=37
